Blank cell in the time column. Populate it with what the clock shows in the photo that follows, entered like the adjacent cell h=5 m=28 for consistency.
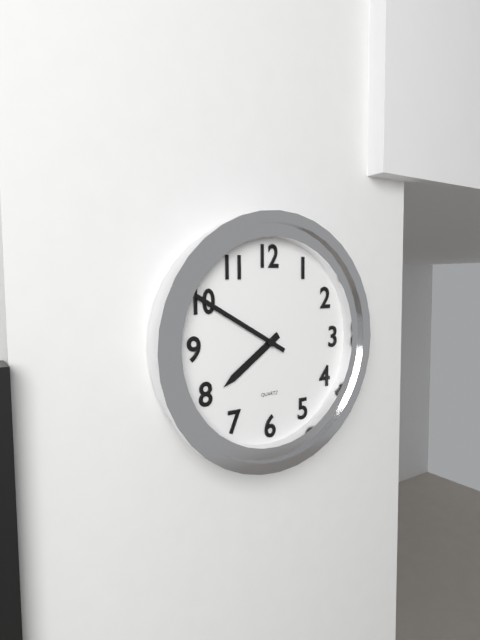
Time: h=7 m=50
